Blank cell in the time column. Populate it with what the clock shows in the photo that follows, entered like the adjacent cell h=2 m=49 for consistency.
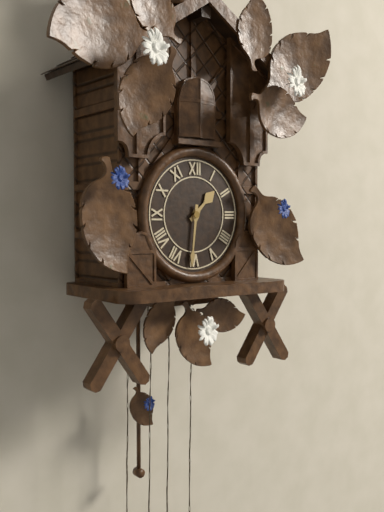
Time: h=1 m=31
